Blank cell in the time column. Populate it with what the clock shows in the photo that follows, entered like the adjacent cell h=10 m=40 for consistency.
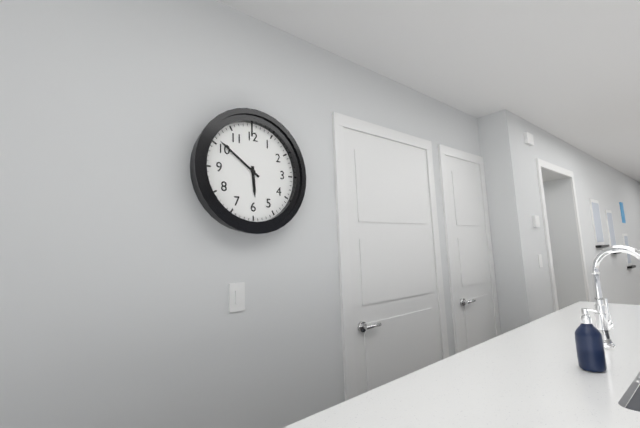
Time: h=5 m=51
